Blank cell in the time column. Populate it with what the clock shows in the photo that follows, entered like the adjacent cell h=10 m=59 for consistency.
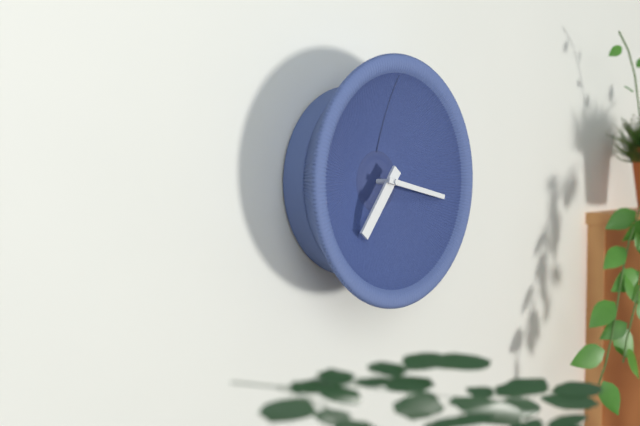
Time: h=7 m=17
